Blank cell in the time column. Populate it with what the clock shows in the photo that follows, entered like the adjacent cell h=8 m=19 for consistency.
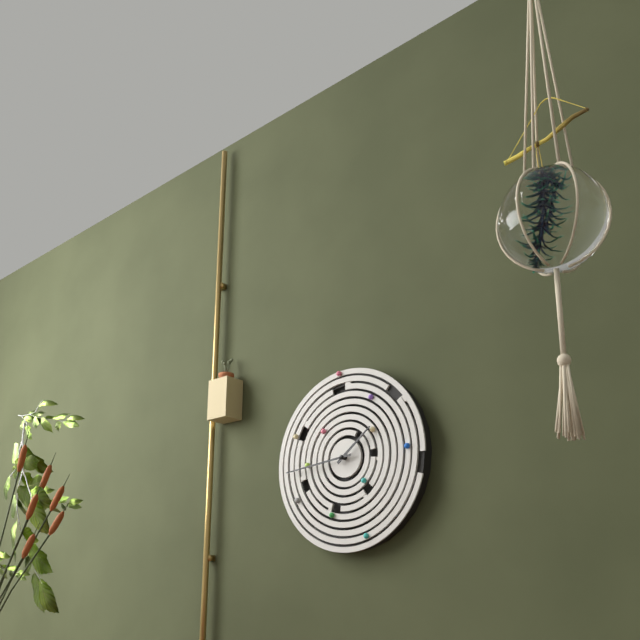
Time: h=1 m=44
